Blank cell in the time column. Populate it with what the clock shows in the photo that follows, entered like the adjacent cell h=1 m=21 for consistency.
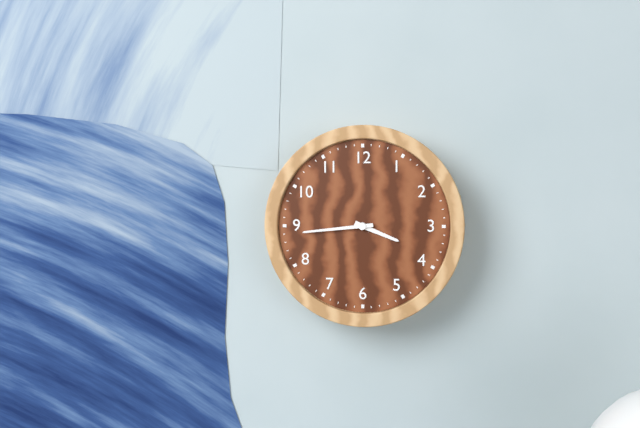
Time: h=3 m=44
